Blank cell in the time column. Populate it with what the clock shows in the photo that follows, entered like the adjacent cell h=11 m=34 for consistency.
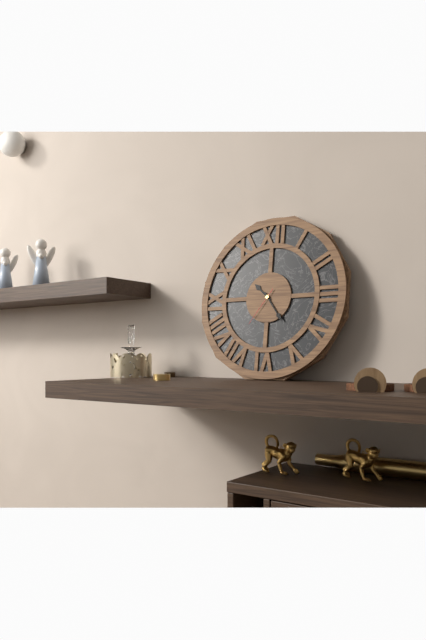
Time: h=10 m=24
